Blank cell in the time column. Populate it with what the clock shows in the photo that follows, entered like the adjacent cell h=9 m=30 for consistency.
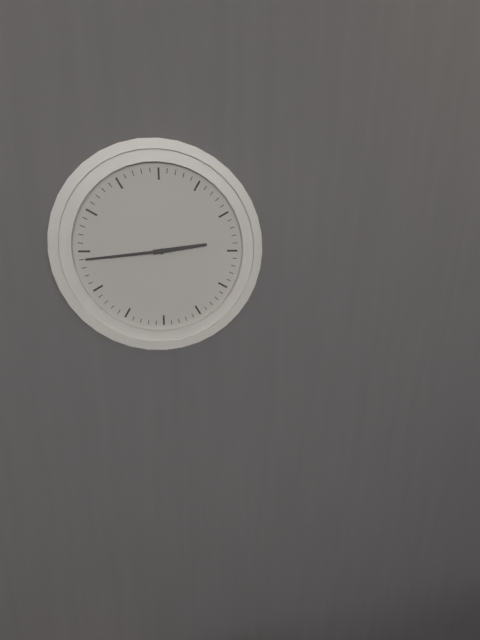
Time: h=2 m=44
